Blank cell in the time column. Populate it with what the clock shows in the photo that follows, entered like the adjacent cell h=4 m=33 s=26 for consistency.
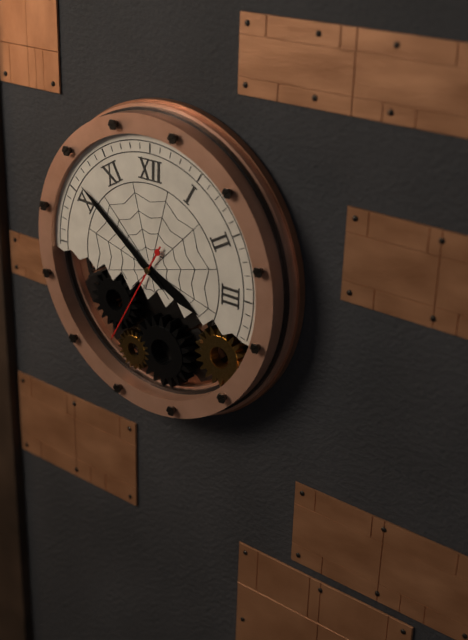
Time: h=3 m=51 s=35
